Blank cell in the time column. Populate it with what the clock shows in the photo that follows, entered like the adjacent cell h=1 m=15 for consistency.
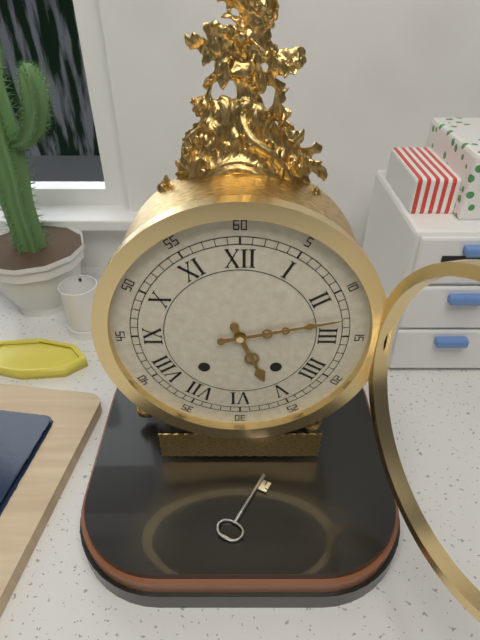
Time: h=5 m=13
